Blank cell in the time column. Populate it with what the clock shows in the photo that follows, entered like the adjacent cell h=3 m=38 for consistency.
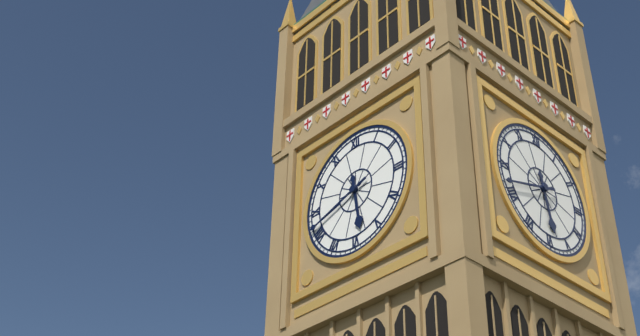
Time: h=5 m=42
